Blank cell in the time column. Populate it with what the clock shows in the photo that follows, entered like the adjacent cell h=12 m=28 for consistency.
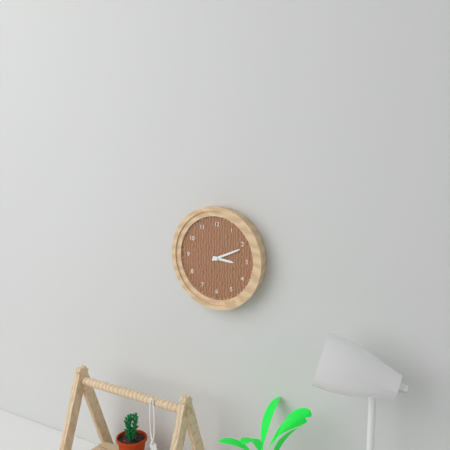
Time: h=3 m=11
